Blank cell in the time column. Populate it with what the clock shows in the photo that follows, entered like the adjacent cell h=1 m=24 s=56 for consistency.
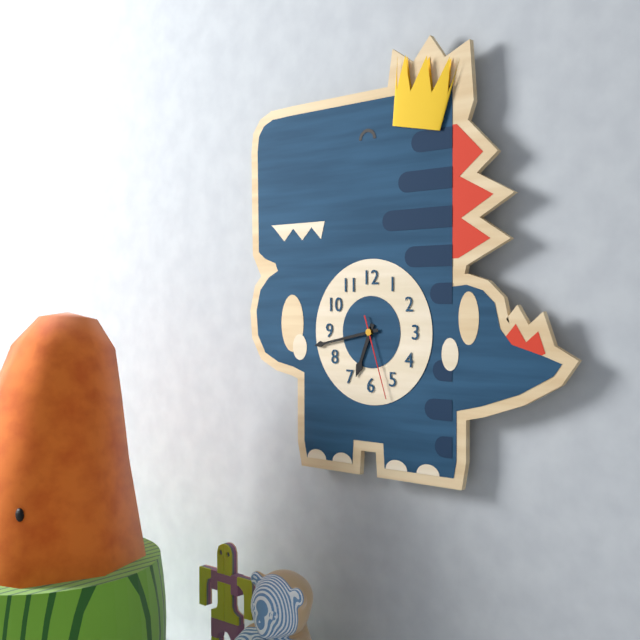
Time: h=6 m=43 s=27
